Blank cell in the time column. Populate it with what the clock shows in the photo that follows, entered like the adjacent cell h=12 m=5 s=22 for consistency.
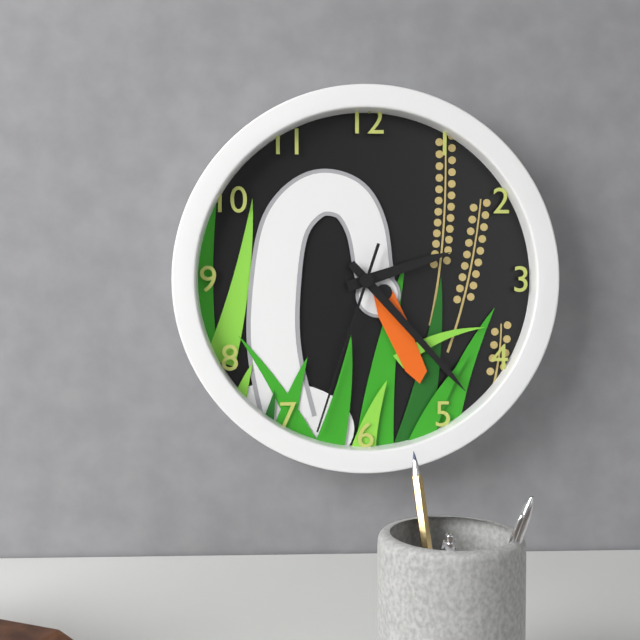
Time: h=2 m=23 s=33
